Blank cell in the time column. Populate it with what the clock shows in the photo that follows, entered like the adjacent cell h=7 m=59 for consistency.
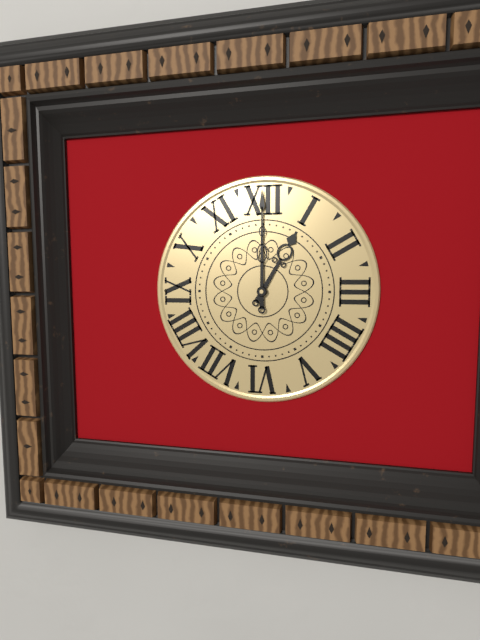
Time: h=1 m=0
